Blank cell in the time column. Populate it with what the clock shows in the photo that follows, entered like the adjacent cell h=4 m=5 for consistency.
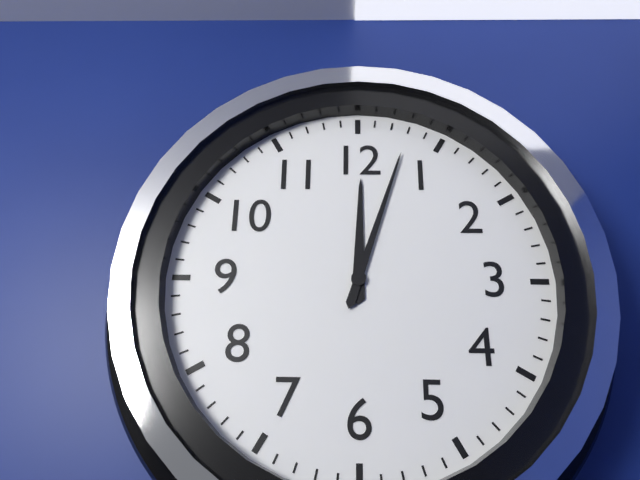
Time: h=12 m=3
